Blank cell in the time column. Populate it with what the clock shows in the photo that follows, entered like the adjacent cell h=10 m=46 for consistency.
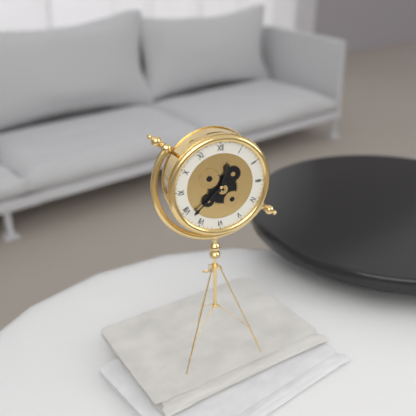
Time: h=12 m=38
